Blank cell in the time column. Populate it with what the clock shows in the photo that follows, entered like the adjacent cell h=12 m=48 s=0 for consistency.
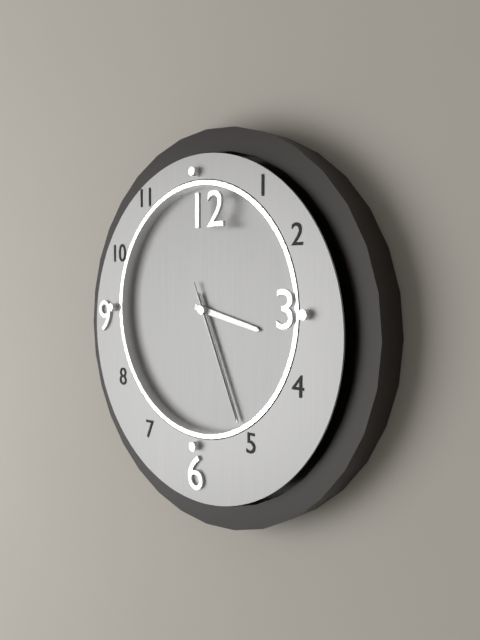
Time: h=3 m=26 s=26
